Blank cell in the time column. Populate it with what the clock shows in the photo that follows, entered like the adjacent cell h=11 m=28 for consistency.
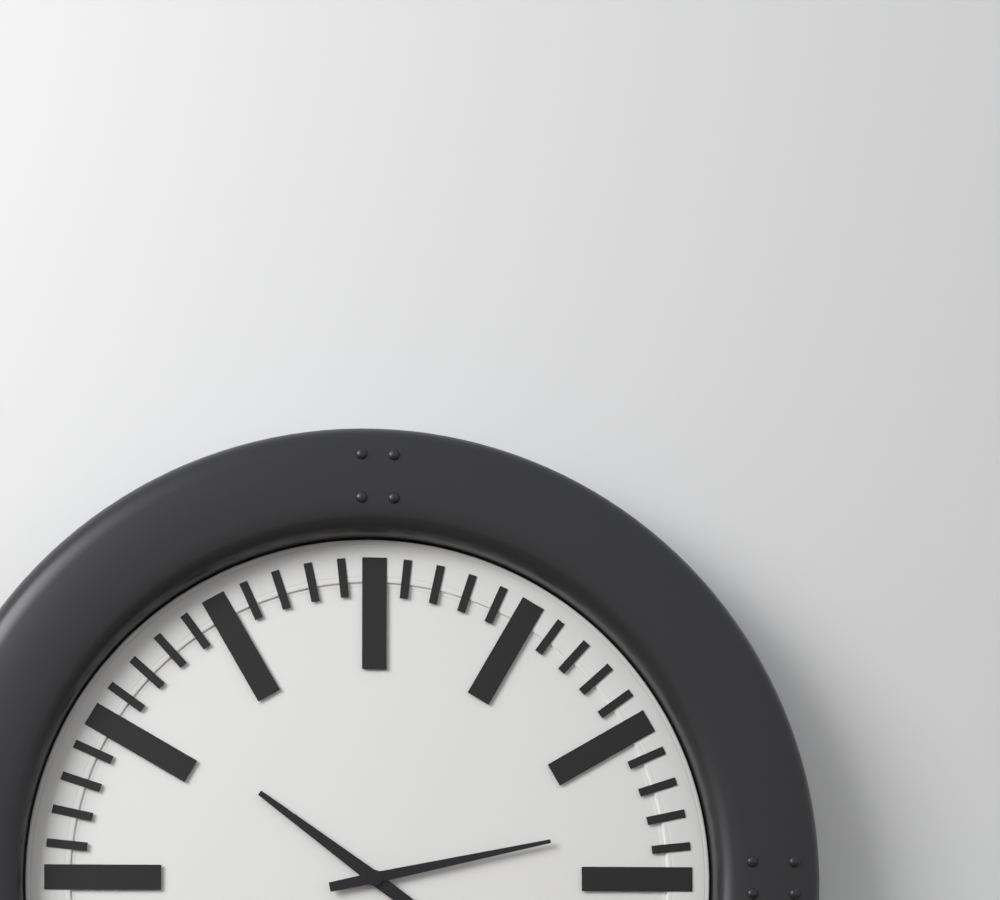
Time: h=10 m=13
